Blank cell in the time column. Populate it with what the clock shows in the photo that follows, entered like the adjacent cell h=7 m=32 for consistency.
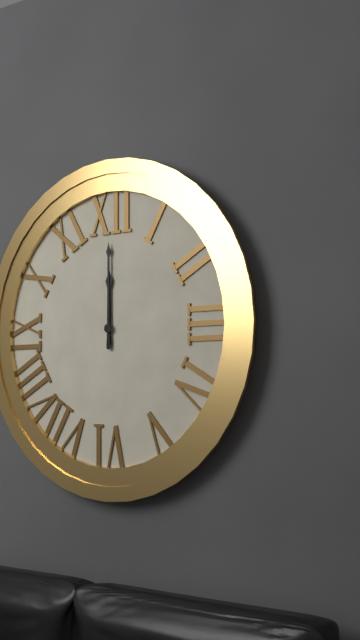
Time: h=12 m=0
